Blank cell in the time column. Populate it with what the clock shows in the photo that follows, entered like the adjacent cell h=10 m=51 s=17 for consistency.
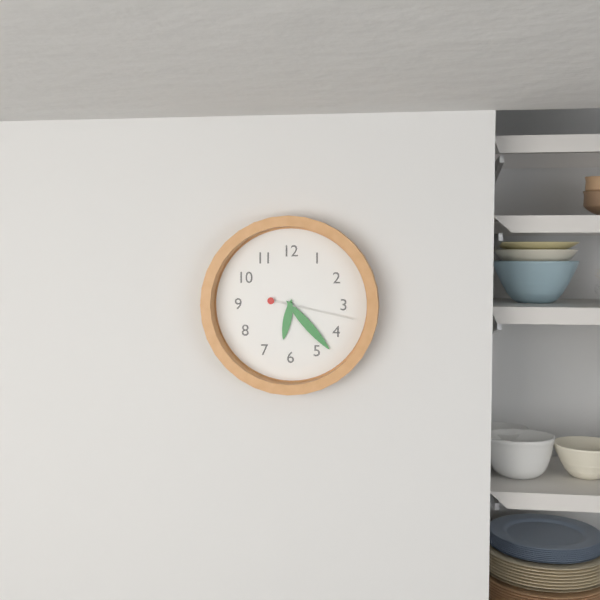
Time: h=6 m=23 s=17
